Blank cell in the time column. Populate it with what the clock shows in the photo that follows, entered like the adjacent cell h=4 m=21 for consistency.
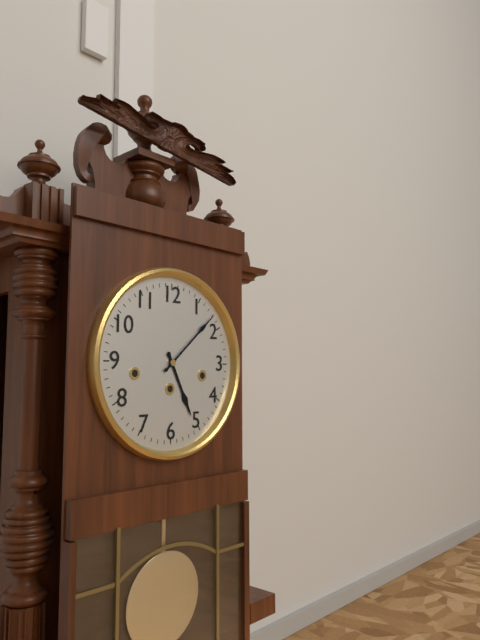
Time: h=5 m=8
